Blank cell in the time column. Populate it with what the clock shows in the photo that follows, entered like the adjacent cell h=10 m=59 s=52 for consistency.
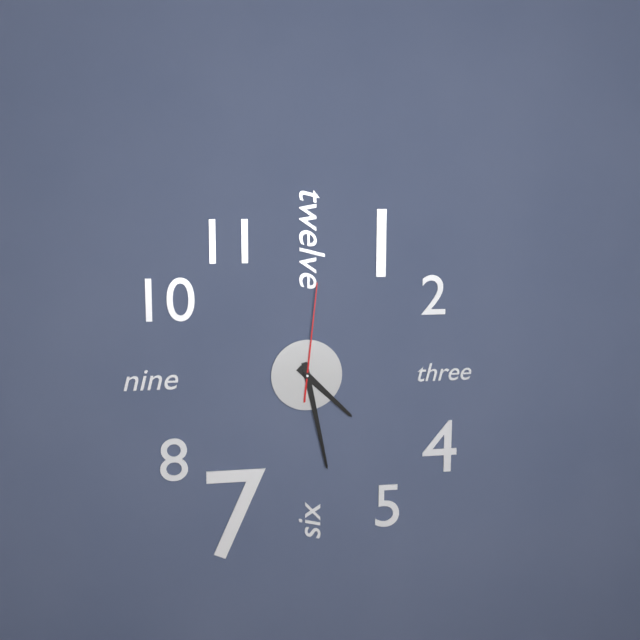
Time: h=4 m=28 s=1
